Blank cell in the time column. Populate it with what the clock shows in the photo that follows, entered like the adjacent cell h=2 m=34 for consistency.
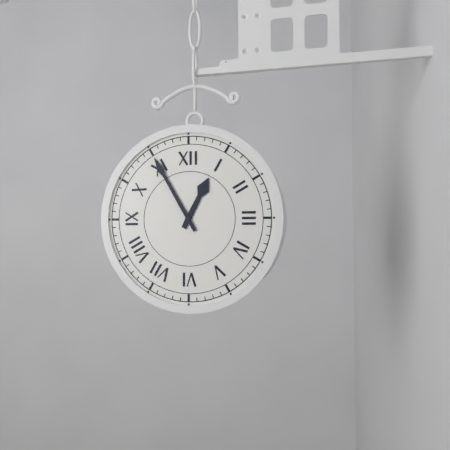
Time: h=12 m=55
